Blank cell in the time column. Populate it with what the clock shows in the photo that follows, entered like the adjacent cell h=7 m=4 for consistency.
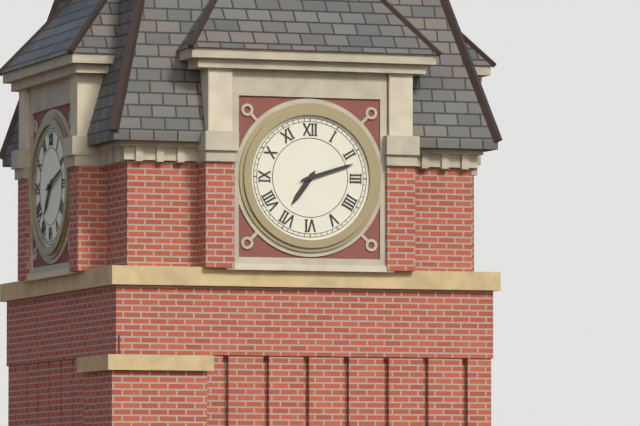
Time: h=7 m=12
